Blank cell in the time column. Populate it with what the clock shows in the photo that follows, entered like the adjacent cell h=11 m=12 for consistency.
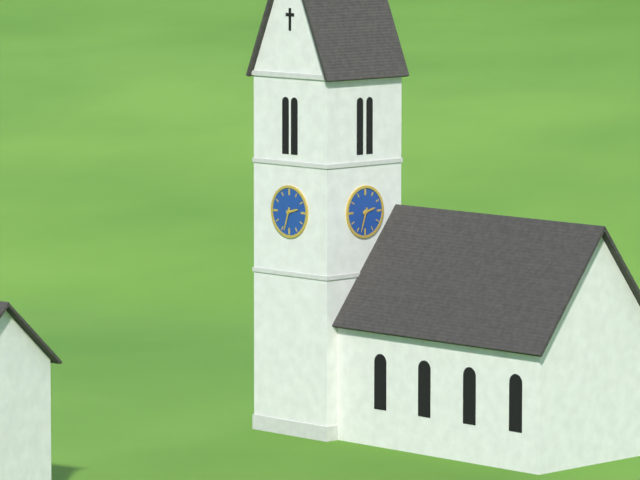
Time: h=2 m=33
